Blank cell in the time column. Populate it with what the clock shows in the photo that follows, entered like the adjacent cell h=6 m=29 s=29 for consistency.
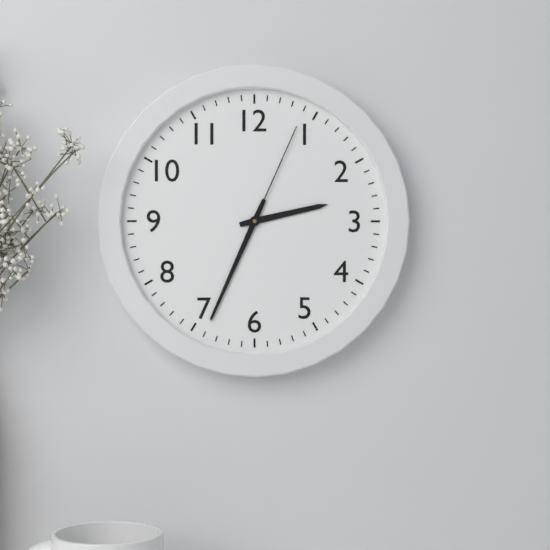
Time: h=2 m=34 s=4
